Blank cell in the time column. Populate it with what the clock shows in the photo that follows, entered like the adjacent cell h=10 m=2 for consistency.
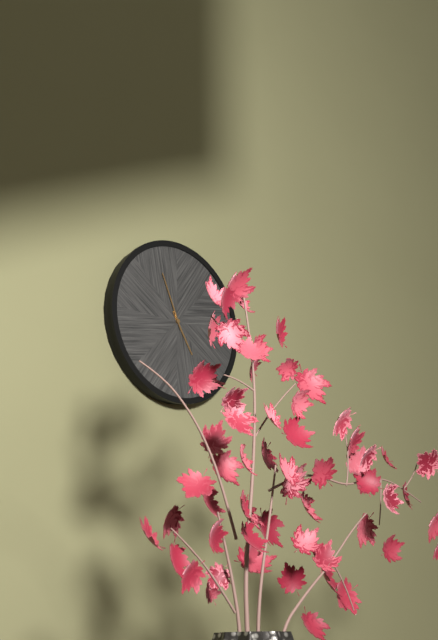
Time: h=4 m=56
